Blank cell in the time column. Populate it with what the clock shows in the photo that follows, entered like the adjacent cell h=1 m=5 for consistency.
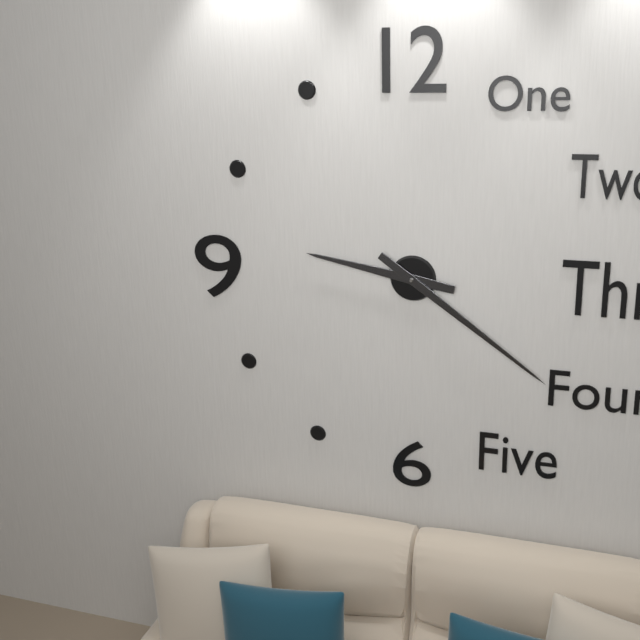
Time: h=9 m=21
